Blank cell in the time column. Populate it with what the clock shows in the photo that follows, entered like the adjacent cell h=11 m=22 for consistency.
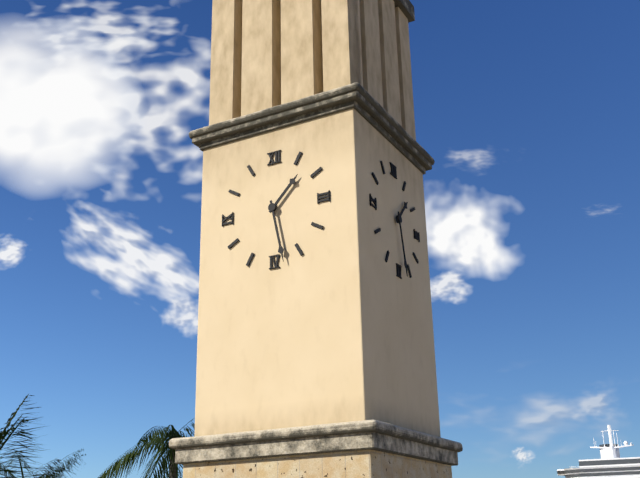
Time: h=1 m=28
